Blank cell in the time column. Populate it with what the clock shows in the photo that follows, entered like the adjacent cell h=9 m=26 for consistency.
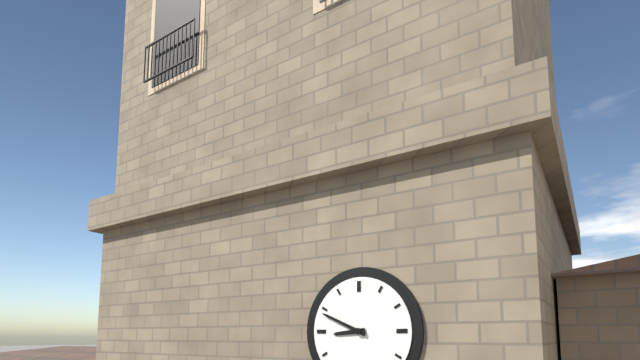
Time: h=8 m=49
